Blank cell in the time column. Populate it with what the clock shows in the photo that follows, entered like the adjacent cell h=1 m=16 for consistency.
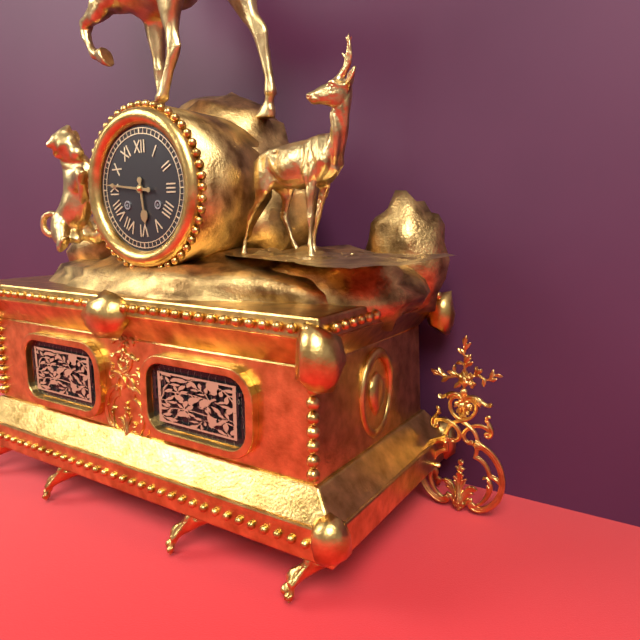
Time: h=5 m=46
